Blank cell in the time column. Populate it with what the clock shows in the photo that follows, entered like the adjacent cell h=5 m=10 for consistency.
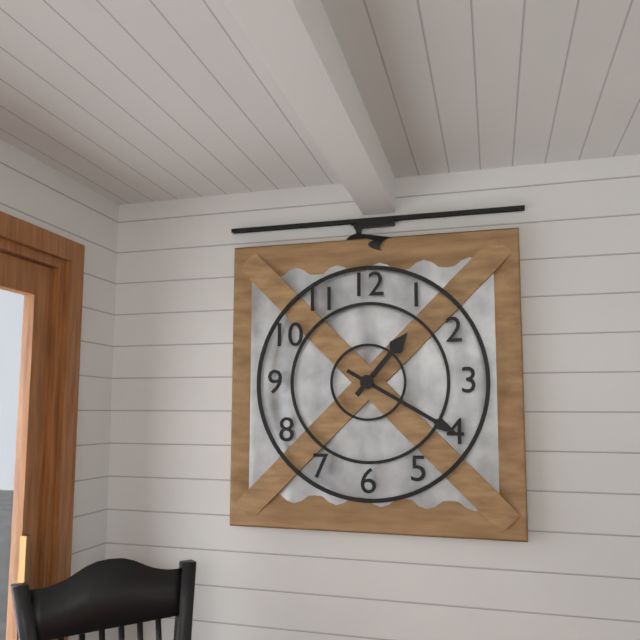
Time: h=1 m=20
